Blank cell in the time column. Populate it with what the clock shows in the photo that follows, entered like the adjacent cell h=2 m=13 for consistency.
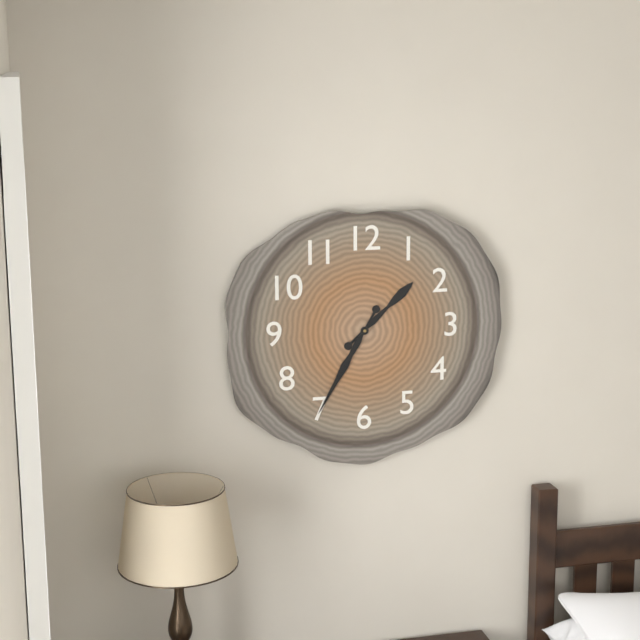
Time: h=1 m=35
